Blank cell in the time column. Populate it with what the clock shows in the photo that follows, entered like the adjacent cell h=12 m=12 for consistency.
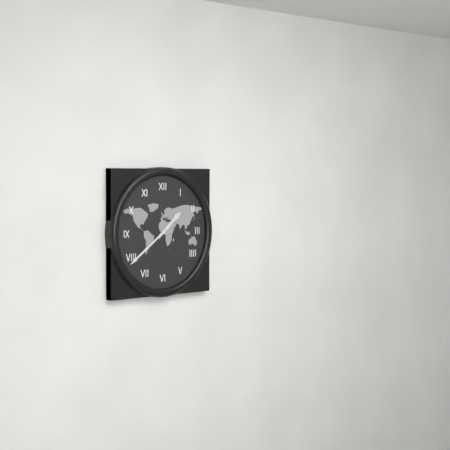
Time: h=1 m=39
